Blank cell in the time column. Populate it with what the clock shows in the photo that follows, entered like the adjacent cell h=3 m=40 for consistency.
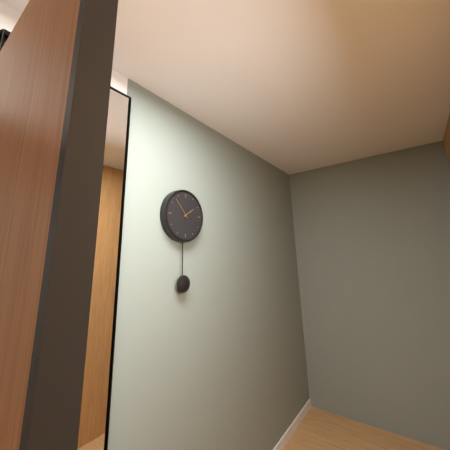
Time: h=1 m=53
